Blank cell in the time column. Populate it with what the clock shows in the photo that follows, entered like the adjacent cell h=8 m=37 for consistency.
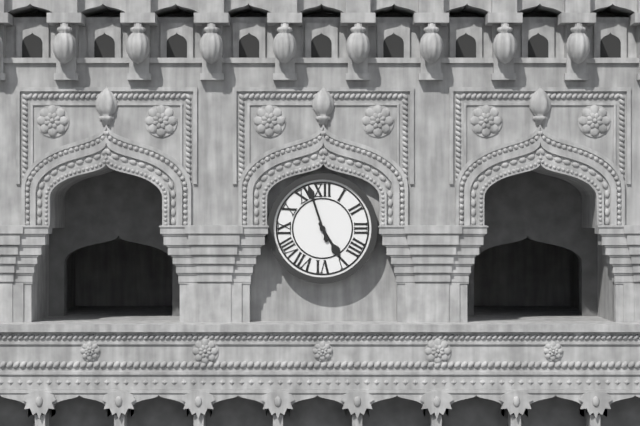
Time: h=4 m=57
